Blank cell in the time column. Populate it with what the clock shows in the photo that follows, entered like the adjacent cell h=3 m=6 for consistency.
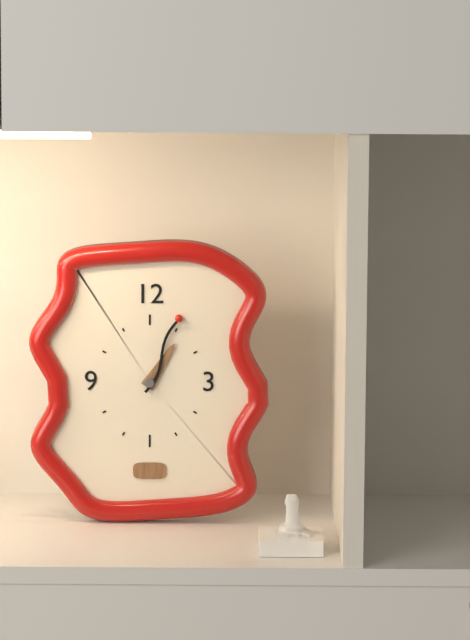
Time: h=1 m=4
